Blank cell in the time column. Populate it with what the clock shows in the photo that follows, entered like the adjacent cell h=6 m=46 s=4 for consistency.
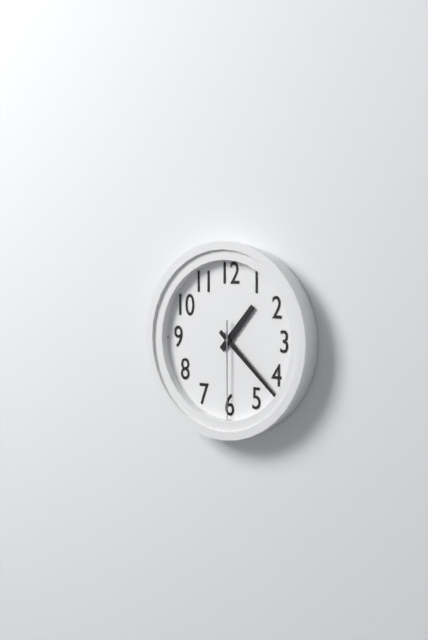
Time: h=1 m=22 s=30
